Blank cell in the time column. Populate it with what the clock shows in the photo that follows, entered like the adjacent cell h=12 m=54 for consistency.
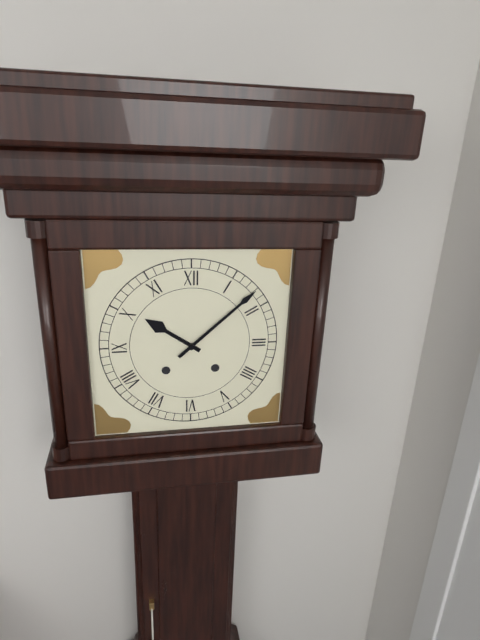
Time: h=10 m=8
